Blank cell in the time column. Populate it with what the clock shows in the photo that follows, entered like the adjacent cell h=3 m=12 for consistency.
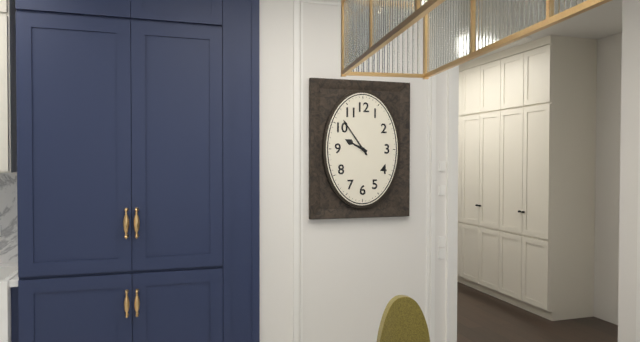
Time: h=9 m=54
